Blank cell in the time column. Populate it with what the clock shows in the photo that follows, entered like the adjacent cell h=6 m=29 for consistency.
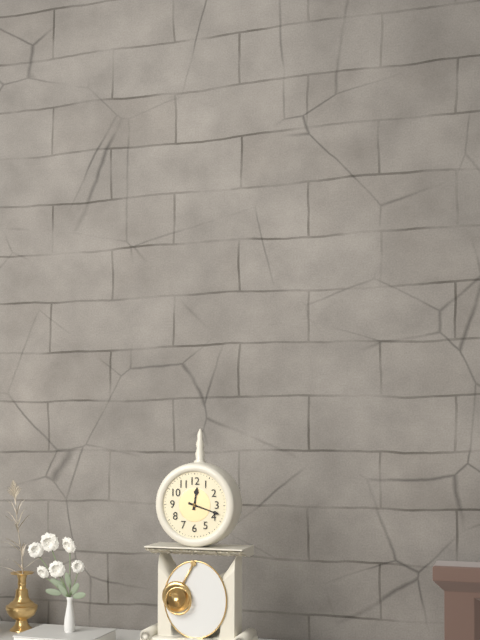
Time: h=12 m=18
